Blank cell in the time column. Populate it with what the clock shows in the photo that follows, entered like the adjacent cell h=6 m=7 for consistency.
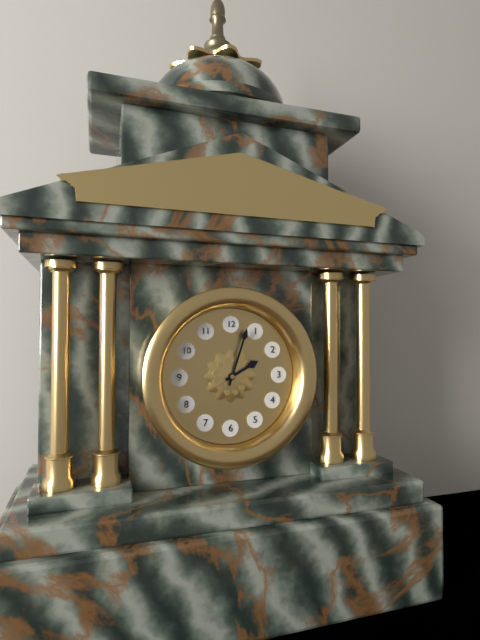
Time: h=2 m=3
